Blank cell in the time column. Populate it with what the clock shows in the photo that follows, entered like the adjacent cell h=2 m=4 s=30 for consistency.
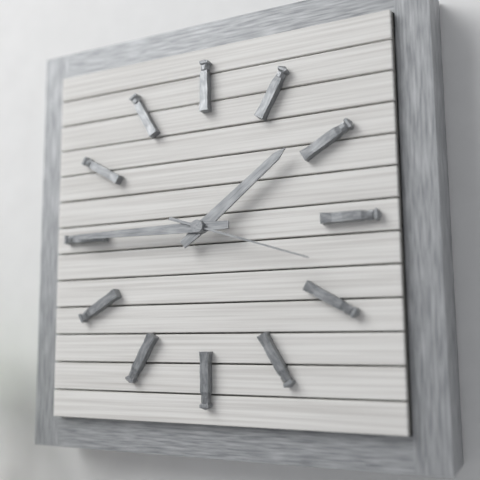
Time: h=1 m=45 s=18
